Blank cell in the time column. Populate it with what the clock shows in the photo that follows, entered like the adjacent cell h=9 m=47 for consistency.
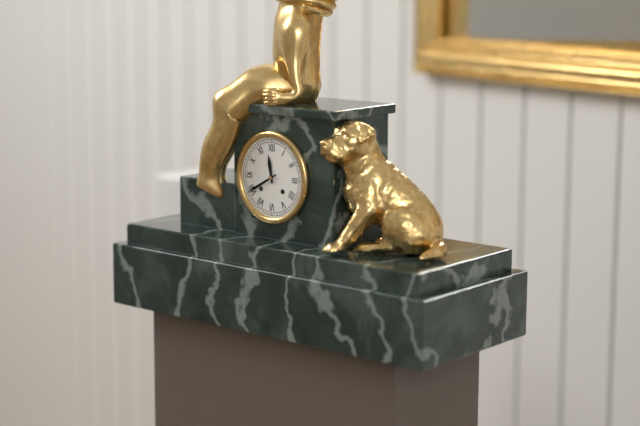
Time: h=11 m=40
